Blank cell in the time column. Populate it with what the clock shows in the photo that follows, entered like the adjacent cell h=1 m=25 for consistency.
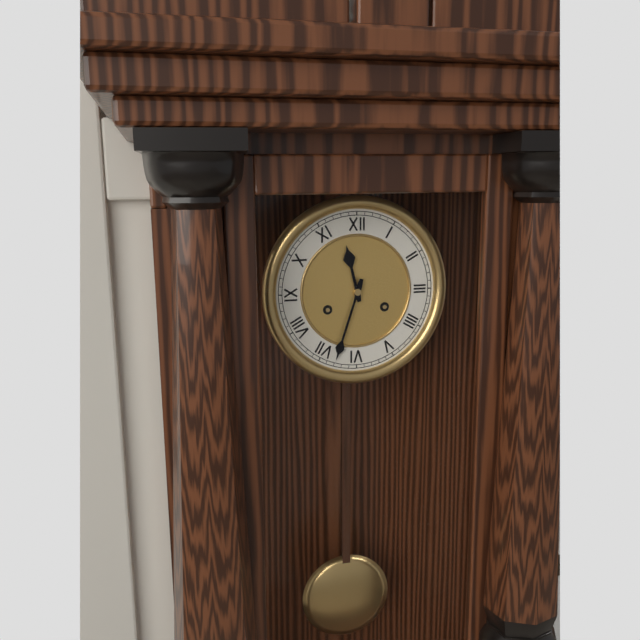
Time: h=11 m=33
